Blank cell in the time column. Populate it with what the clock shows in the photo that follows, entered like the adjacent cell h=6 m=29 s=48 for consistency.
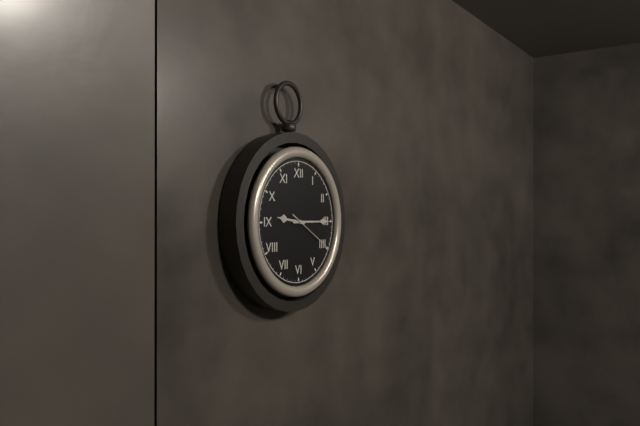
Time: h=9 m=15 s=20
